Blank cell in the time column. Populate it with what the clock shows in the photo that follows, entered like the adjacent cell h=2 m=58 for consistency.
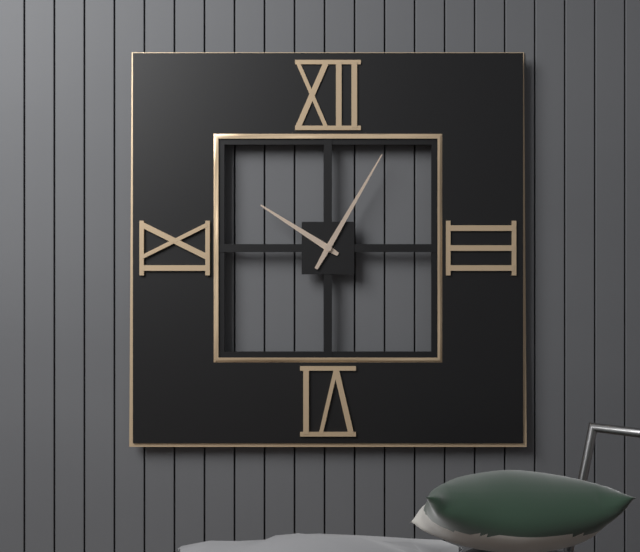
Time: h=10 m=5
